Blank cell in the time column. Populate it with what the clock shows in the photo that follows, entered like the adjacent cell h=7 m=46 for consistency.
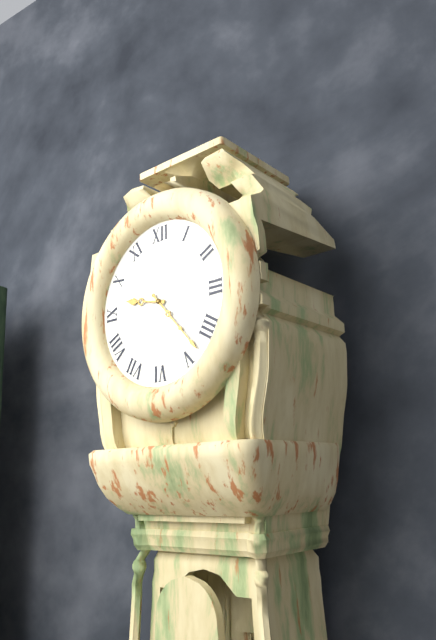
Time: h=9 m=23
